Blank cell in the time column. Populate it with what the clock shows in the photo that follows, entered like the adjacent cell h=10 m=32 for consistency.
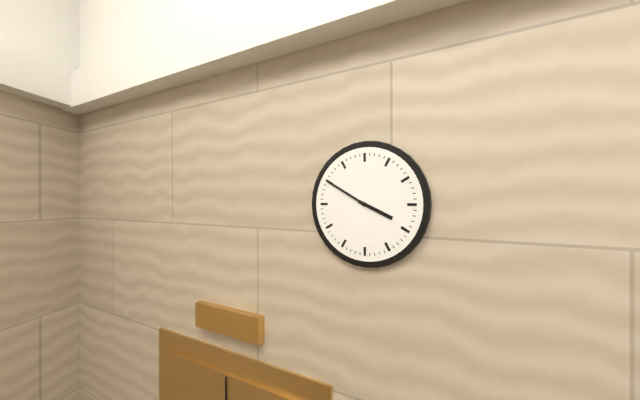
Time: h=3 m=50
